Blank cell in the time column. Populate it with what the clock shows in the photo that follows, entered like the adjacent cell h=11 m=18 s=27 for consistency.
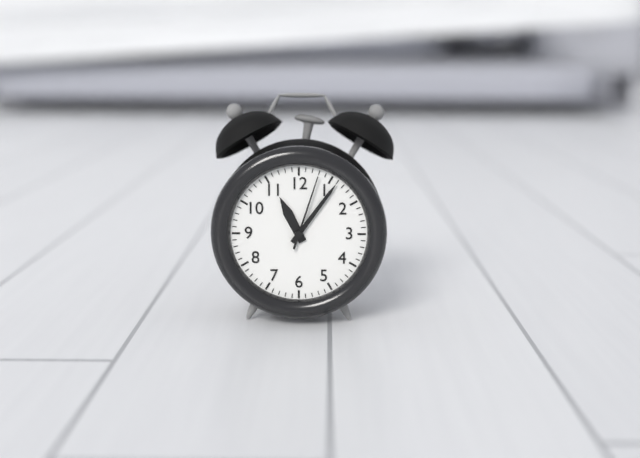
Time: h=11 m=6 s=3
